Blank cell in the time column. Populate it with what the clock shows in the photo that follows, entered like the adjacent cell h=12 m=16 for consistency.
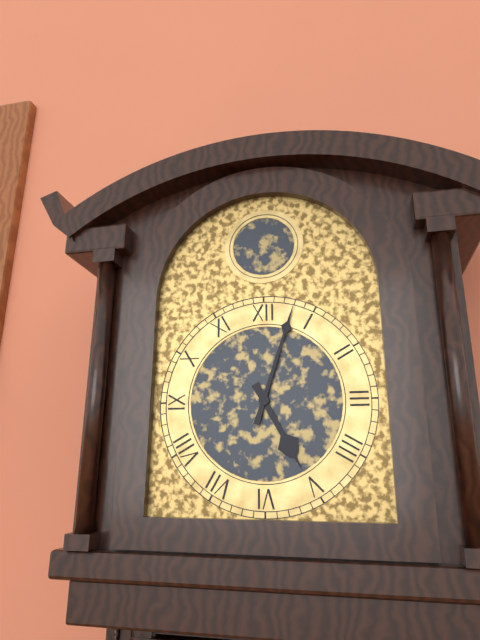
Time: h=5 m=3
